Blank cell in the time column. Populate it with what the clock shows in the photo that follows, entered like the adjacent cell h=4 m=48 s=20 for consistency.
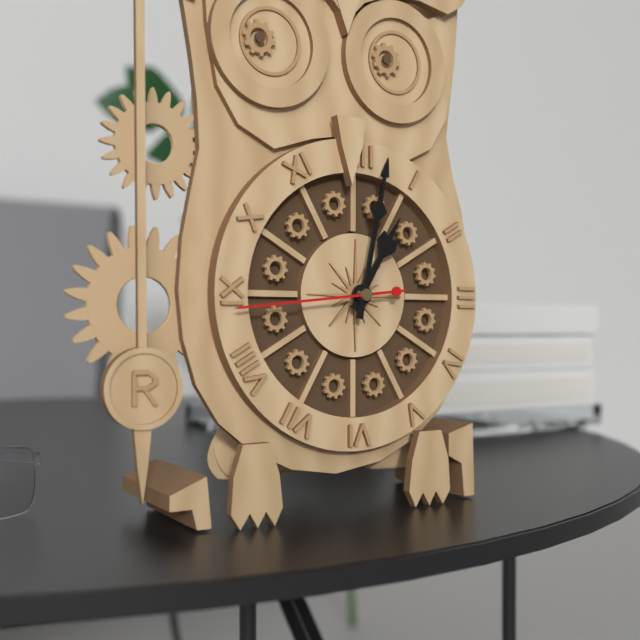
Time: h=1 m=2 s=44
